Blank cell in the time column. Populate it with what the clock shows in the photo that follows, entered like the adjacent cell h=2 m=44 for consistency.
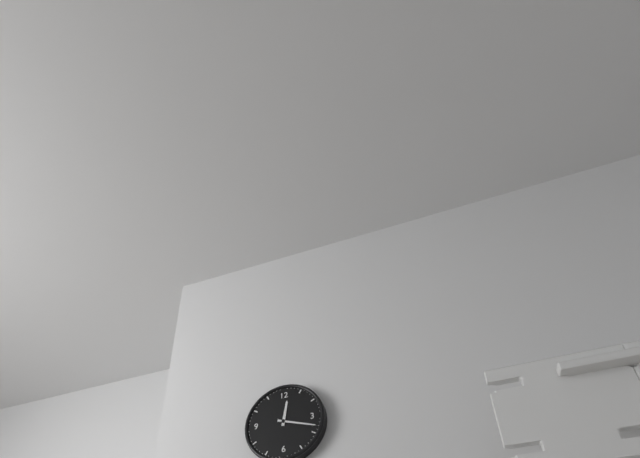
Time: h=12 m=18
